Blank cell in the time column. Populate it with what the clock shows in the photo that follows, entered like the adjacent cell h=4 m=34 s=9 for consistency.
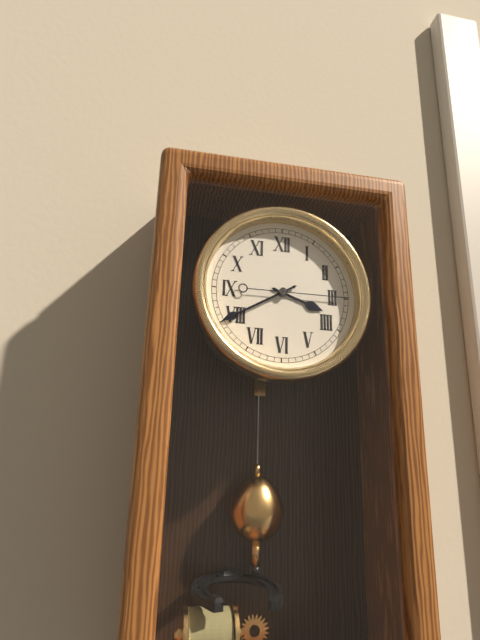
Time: h=3 m=40 s=15
